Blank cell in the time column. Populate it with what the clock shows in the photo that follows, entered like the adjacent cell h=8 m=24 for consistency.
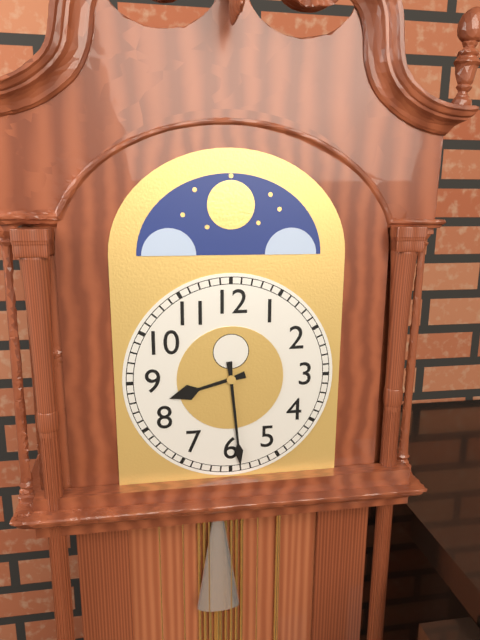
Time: h=8 m=29
